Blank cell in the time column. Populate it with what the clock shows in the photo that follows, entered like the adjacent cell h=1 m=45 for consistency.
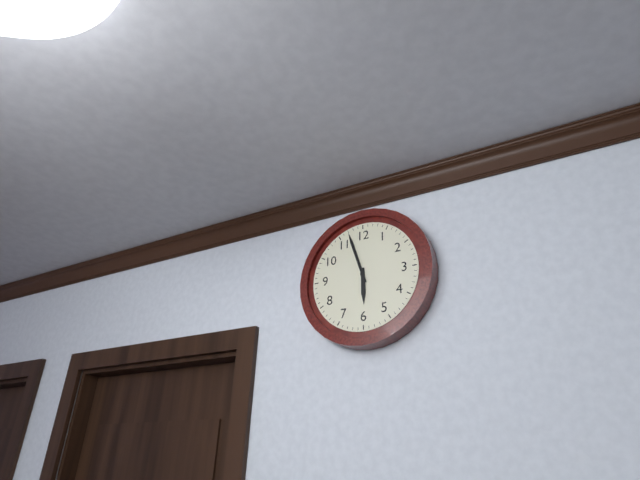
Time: h=5 m=57
